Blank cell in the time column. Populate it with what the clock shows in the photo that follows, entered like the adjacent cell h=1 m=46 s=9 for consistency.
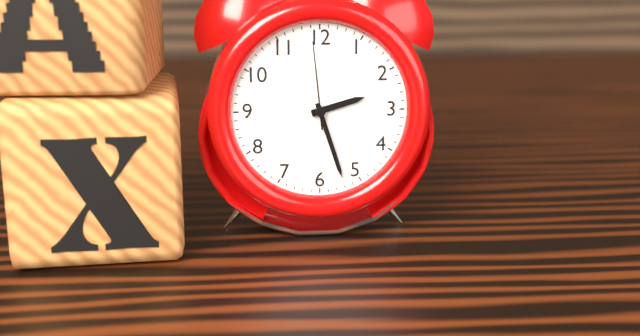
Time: h=2 m=27 s=59
